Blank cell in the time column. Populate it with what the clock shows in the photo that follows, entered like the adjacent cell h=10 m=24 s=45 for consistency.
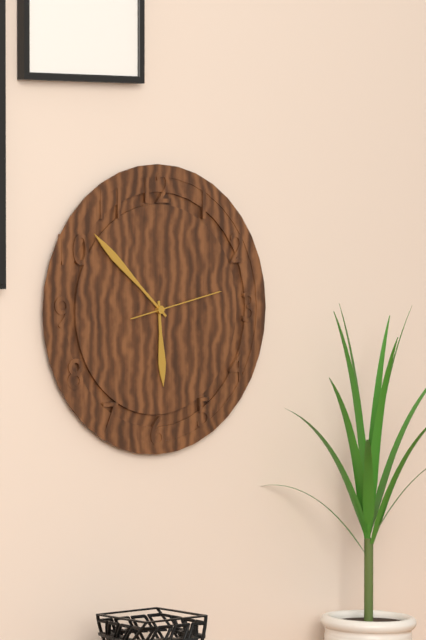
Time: h=5 m=52 s=13
